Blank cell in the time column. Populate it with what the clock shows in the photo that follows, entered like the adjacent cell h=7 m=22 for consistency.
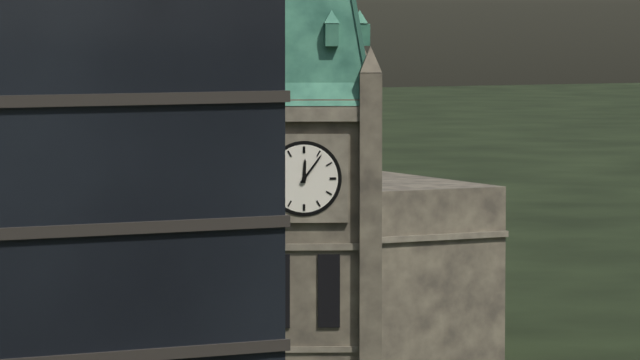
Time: h=12 m=6
